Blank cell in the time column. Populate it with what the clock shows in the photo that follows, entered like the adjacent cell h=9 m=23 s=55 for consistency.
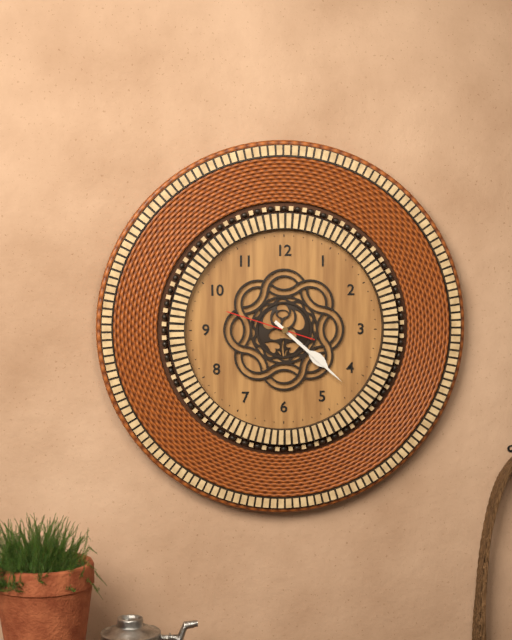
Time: h=4 m=22 s=48
